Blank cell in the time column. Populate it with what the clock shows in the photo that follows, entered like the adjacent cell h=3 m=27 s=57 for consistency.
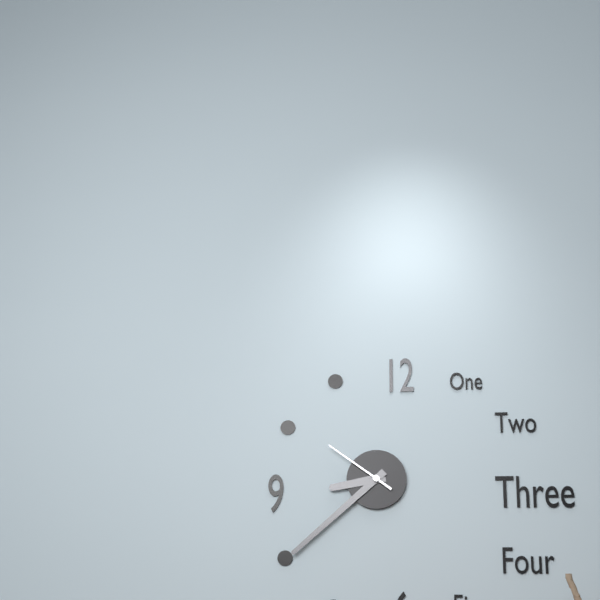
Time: h=8 m=38 s=51
